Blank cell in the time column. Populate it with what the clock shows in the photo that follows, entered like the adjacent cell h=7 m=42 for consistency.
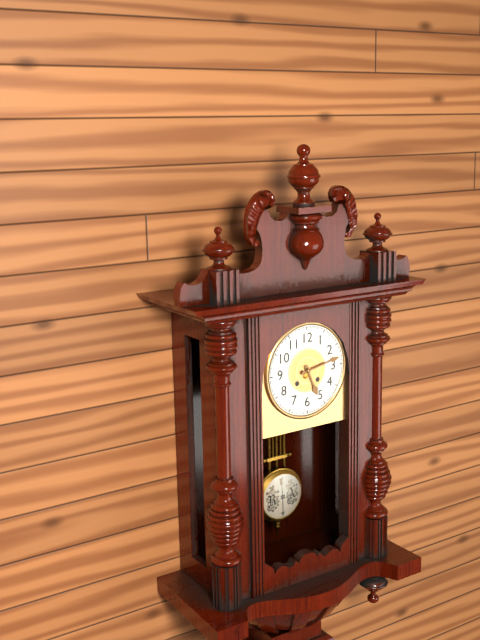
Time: h=5 m=13
